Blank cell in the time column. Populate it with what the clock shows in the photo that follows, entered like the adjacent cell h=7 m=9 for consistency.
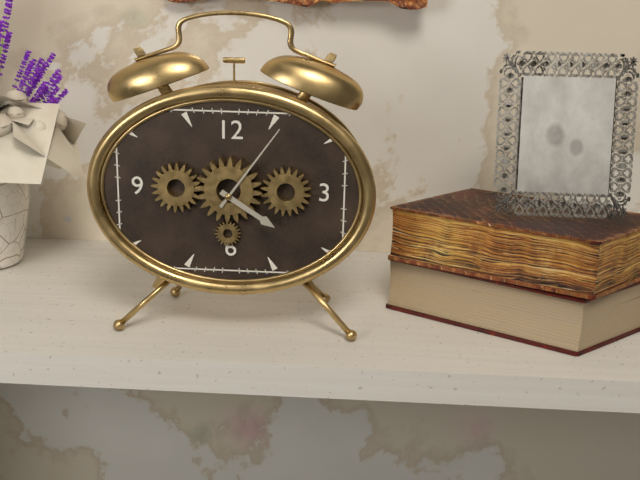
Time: h=4 m=6
